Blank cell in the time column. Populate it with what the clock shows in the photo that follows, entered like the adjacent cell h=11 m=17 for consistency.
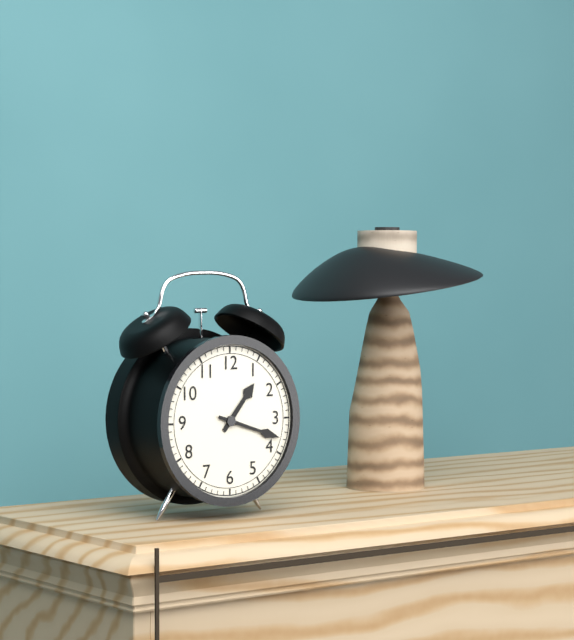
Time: h=1 m=18
